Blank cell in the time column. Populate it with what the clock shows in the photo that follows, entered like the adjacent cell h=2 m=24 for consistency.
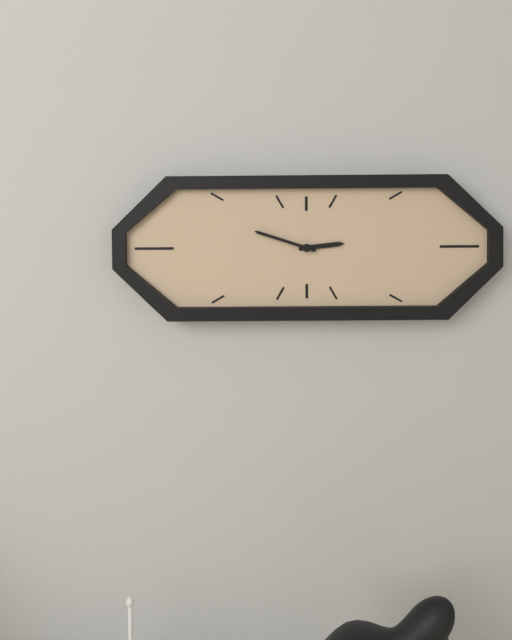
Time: h=2 m=48
